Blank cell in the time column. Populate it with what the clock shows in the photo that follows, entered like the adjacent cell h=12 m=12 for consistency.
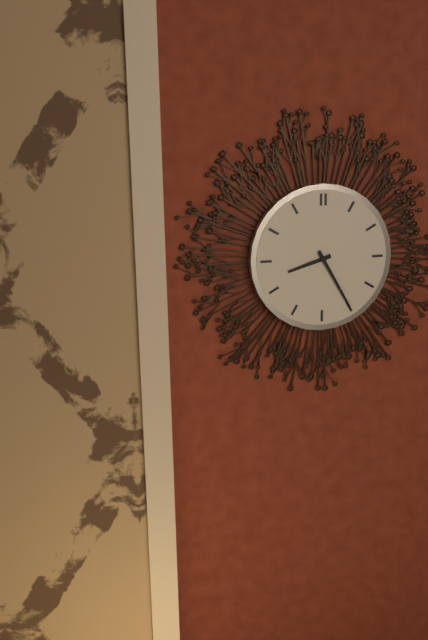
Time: h=8 m=25
